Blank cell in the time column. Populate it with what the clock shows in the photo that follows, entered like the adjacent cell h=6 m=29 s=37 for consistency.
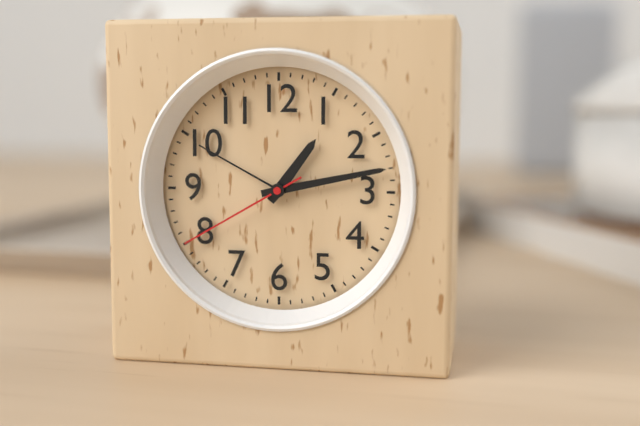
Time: h=1 m=13 s=40
